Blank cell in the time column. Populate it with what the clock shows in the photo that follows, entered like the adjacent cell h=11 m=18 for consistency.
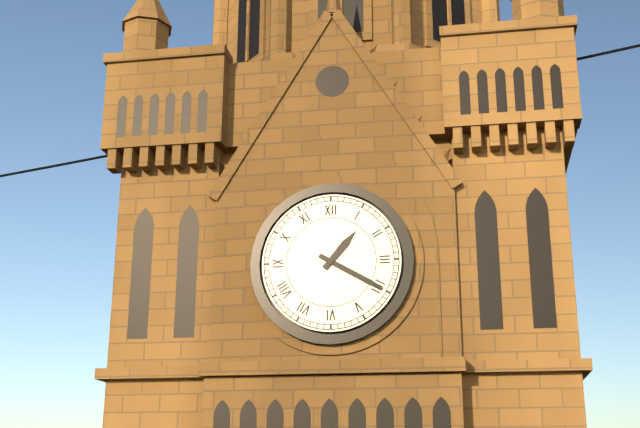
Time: h=1 m=20
